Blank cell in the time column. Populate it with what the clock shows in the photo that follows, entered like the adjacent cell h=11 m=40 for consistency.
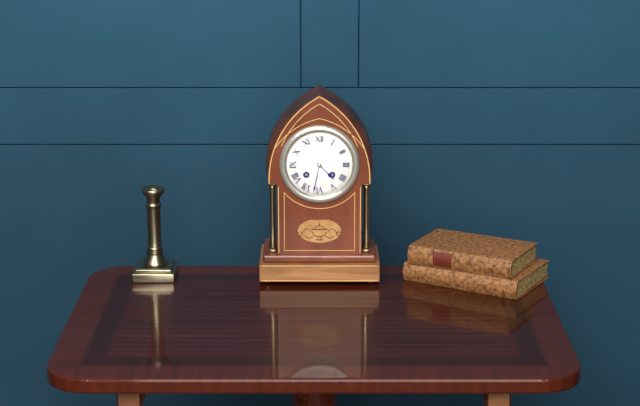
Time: h=4 m=32
